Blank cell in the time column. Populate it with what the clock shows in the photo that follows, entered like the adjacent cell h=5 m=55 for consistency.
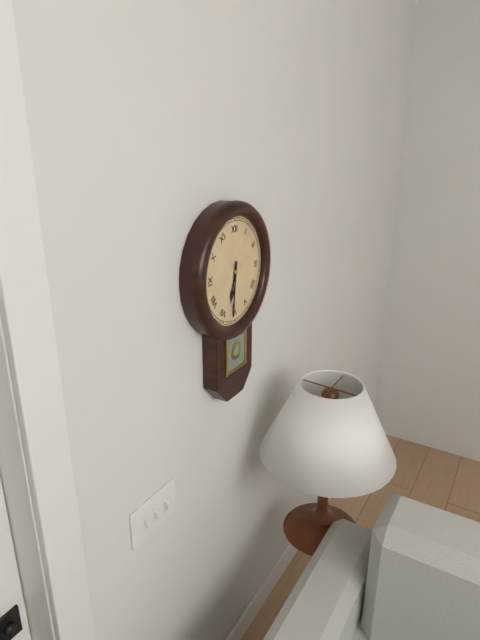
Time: h=6 m=31
